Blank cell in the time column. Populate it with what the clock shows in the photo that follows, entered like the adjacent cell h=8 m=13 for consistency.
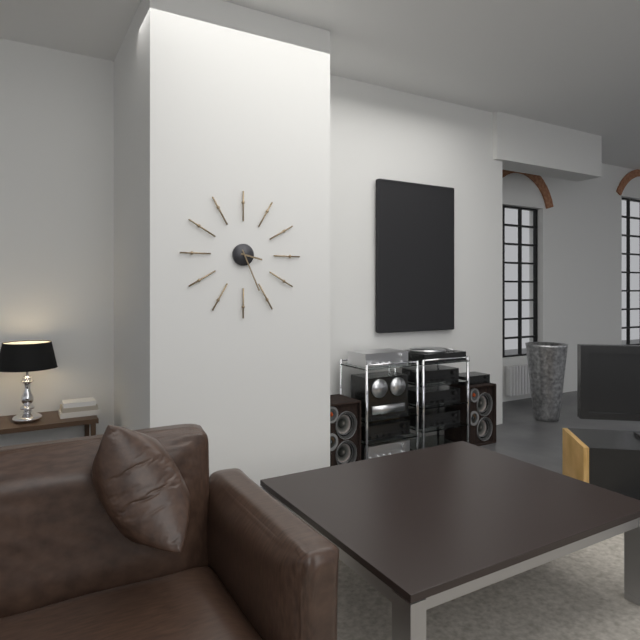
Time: h=3 m=26
